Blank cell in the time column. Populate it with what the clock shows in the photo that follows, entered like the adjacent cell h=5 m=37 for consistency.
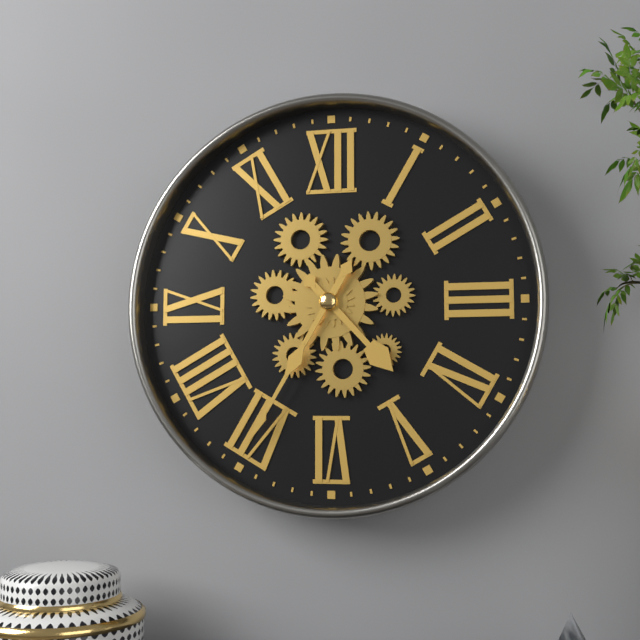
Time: h=4 m=35
